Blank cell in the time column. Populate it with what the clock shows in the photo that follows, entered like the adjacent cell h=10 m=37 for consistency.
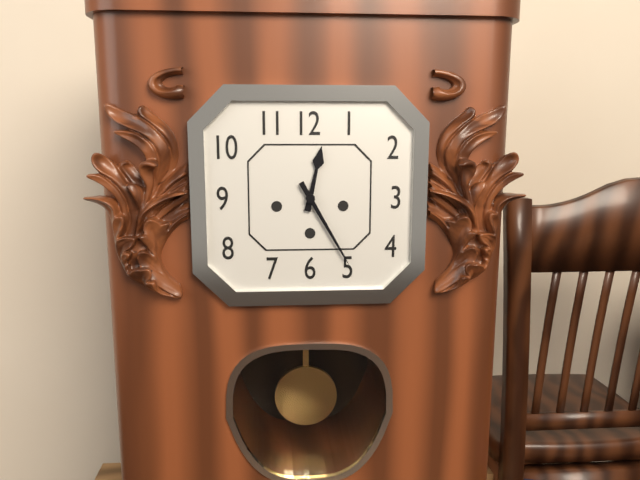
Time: h=12 m=25
